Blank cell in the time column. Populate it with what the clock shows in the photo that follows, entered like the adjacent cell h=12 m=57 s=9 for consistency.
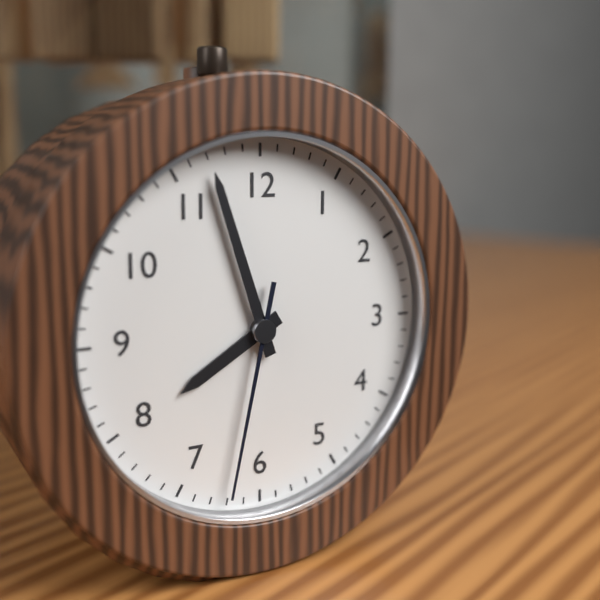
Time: h=7 m=57 s=32
